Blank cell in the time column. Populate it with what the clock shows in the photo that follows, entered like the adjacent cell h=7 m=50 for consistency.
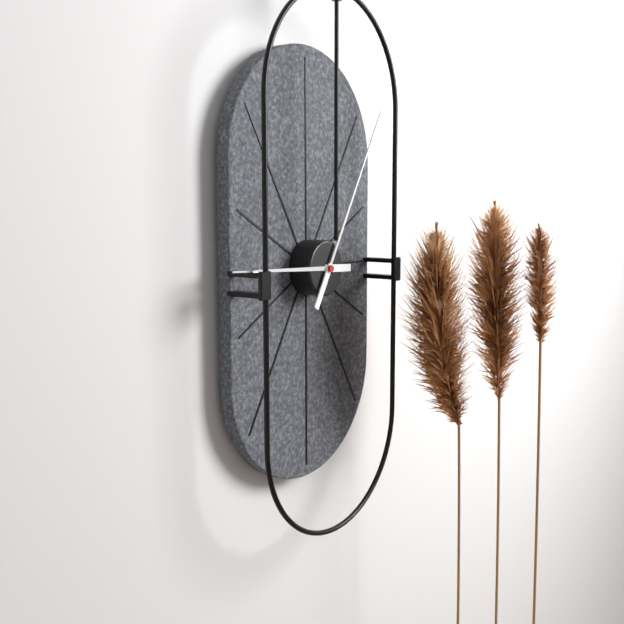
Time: h=9 m=5
